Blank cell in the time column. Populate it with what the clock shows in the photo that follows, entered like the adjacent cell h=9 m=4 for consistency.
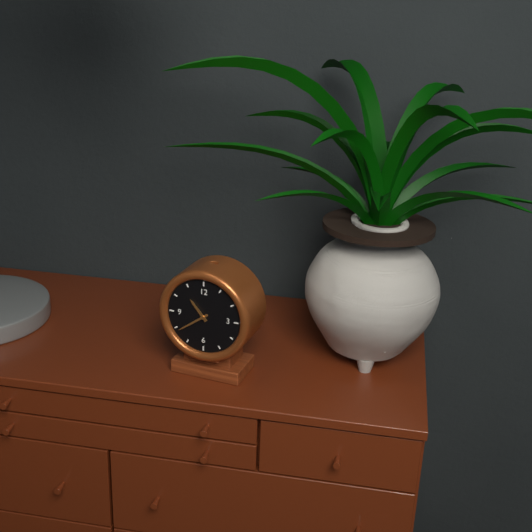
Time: h=10 m=39
